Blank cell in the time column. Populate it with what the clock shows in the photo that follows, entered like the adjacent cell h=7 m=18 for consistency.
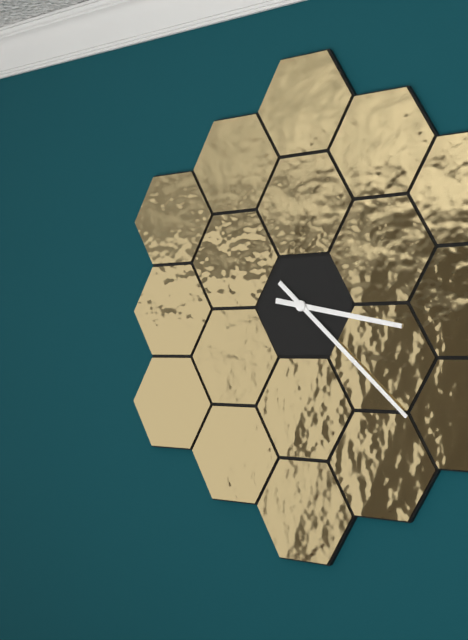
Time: h=3 m=22
